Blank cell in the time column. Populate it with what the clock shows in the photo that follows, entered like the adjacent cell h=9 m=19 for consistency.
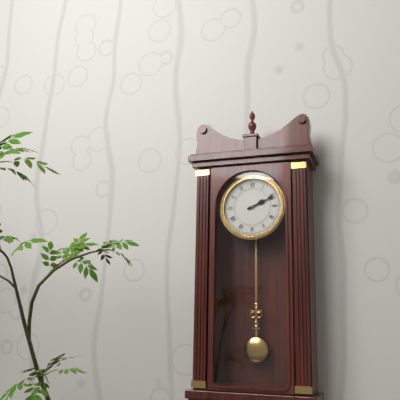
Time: h=2 m=11
